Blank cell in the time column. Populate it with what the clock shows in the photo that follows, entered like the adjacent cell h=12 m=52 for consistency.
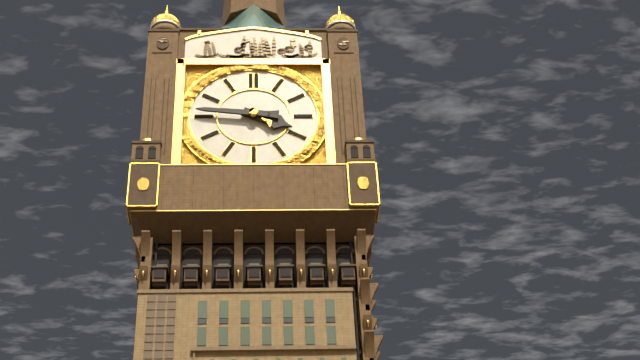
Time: h=3 m=46
